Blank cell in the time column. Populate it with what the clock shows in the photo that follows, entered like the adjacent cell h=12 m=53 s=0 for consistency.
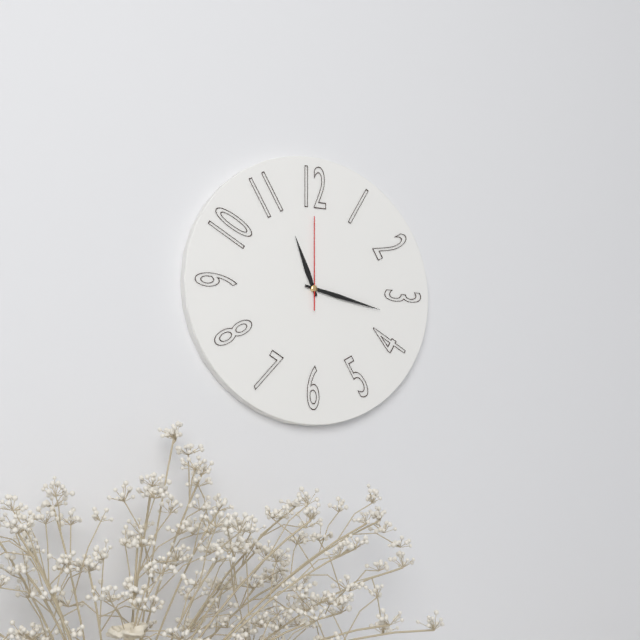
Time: h=11 m=17 s=0
